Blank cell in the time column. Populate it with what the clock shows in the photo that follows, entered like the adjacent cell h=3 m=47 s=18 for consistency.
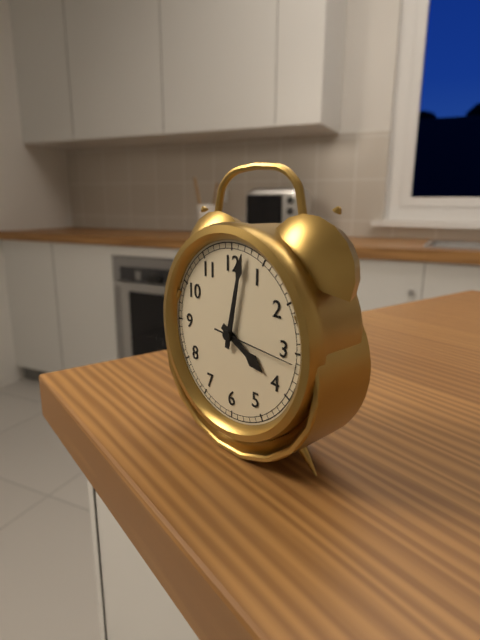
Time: h=4 m=2 s=16
